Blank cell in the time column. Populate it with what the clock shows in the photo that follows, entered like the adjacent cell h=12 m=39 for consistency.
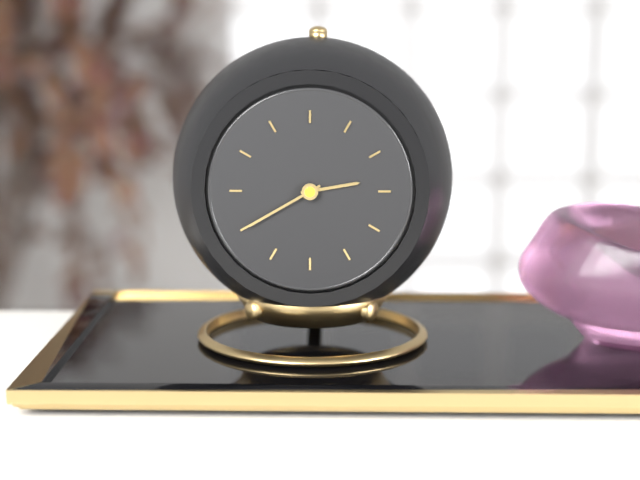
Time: h=2 m=40
